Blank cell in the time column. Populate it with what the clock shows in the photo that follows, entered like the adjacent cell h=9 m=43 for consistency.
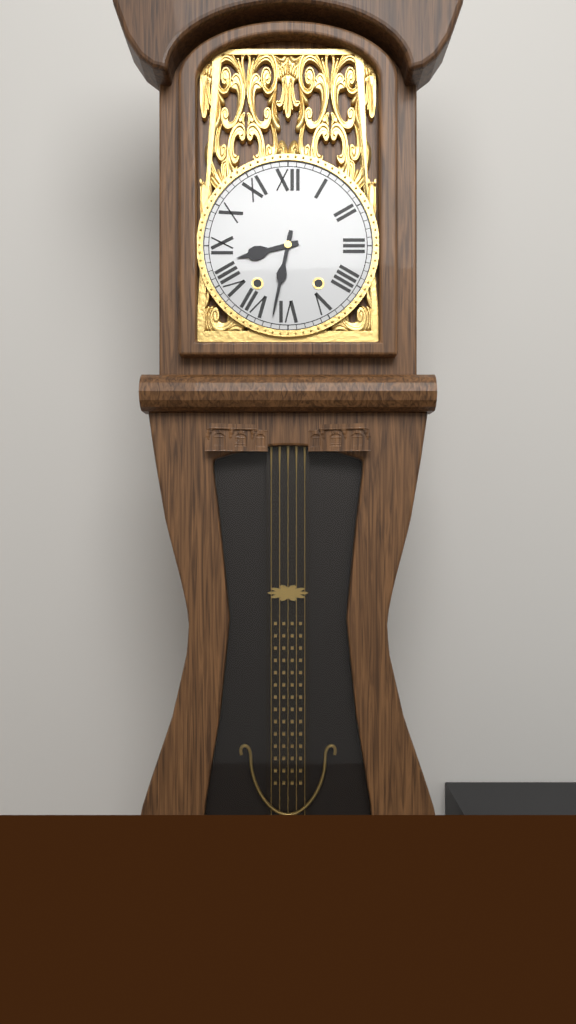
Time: h=8 m=32
